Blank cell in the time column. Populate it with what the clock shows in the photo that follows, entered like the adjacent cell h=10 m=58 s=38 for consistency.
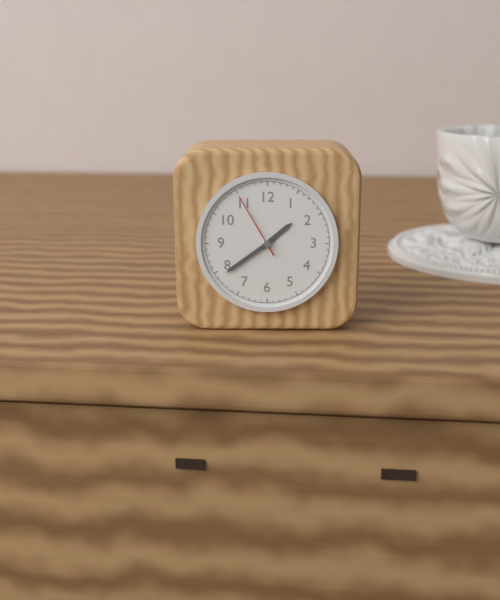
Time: h=1 m=39 s=55
